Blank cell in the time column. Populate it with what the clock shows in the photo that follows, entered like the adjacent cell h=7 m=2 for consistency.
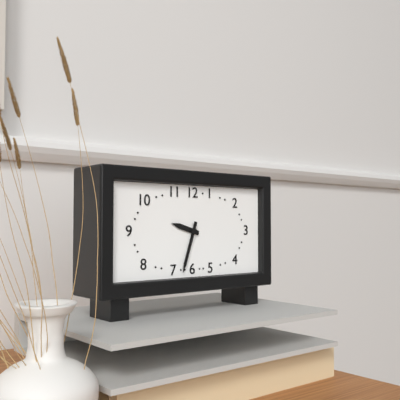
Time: h=9 m=33
